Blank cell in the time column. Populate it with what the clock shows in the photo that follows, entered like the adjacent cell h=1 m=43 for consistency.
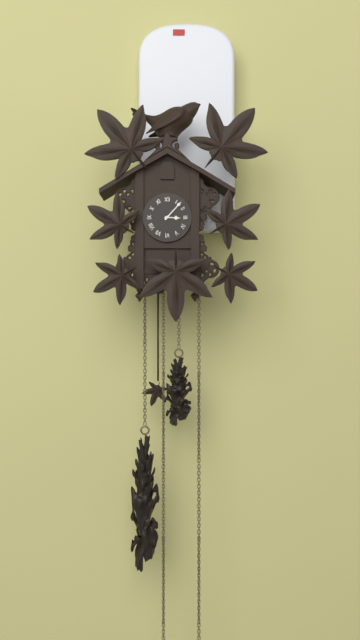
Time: h=3 m=7
